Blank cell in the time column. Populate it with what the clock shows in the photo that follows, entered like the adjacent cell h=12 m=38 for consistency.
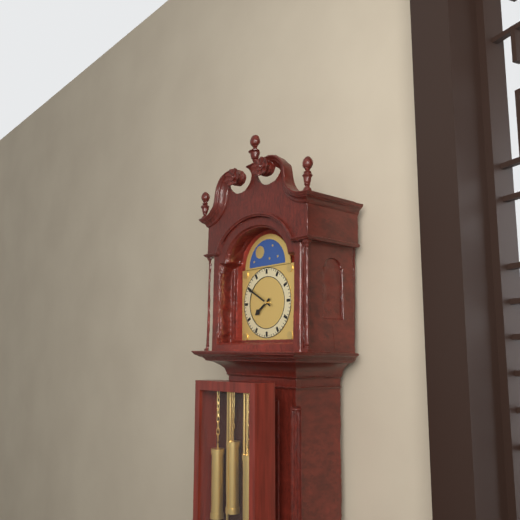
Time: h=7 m=50
